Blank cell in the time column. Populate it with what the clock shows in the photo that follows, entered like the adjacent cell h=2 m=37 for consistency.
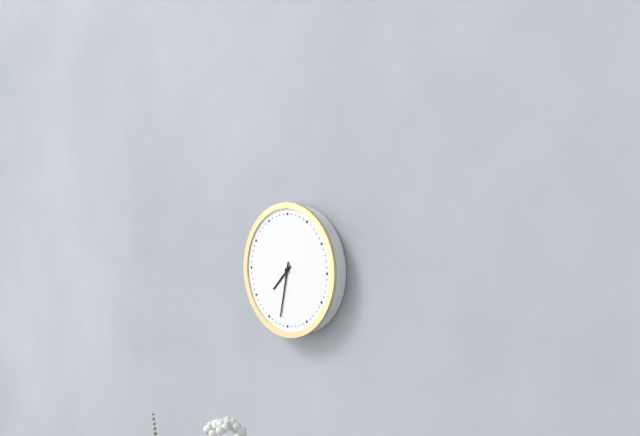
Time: h=7 m=32
